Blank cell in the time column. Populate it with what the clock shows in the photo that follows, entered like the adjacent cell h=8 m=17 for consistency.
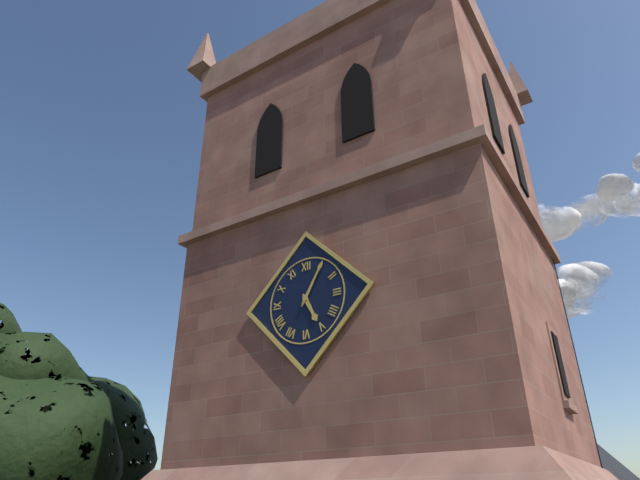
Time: h=5 m=5
